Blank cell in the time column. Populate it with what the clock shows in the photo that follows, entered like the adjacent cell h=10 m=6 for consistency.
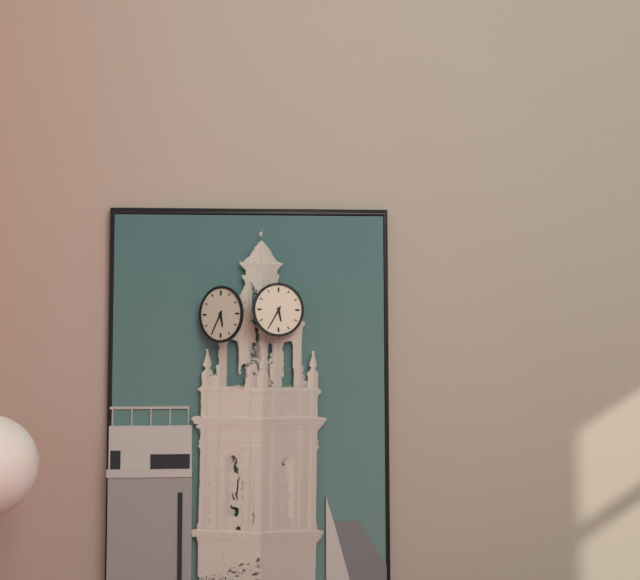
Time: h=5 m=35
